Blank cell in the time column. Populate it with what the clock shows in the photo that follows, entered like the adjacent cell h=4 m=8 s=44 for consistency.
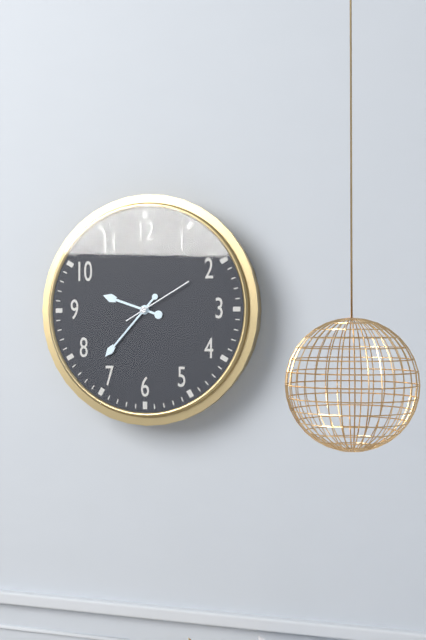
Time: h=9 m=37 s=10
